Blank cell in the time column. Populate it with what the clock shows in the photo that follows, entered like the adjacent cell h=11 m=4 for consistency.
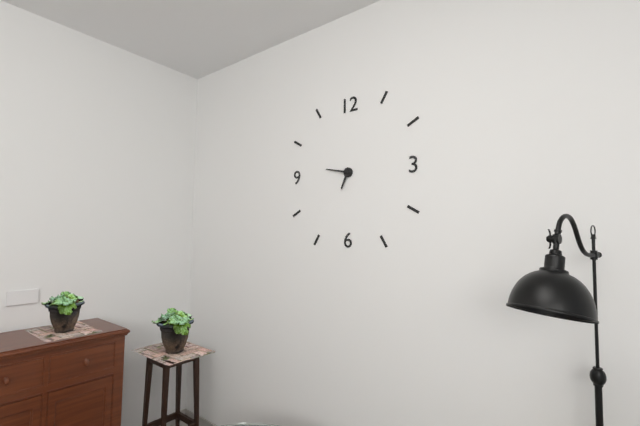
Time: h=6 m=47
